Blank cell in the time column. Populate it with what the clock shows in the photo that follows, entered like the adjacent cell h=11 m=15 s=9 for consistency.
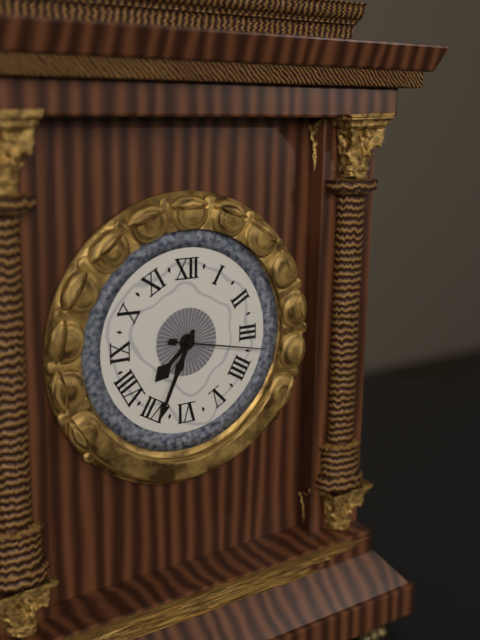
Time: h=7 m=34 s=17
